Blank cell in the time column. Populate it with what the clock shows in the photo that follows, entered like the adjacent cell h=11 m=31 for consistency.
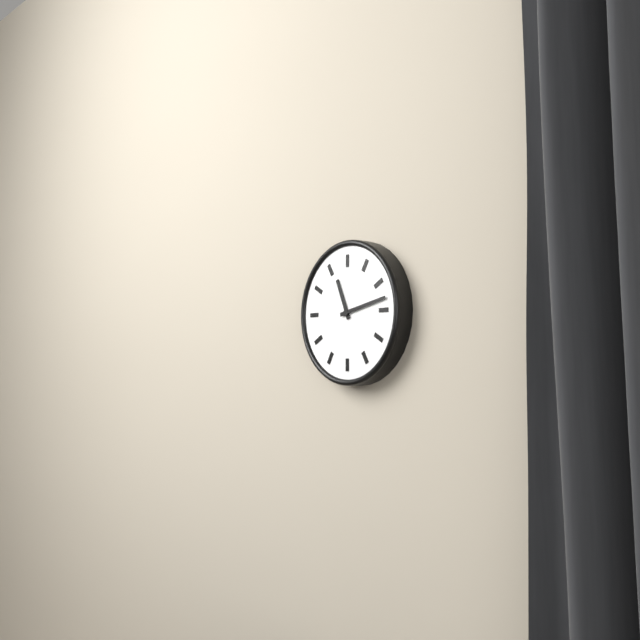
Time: h=11 m=13
